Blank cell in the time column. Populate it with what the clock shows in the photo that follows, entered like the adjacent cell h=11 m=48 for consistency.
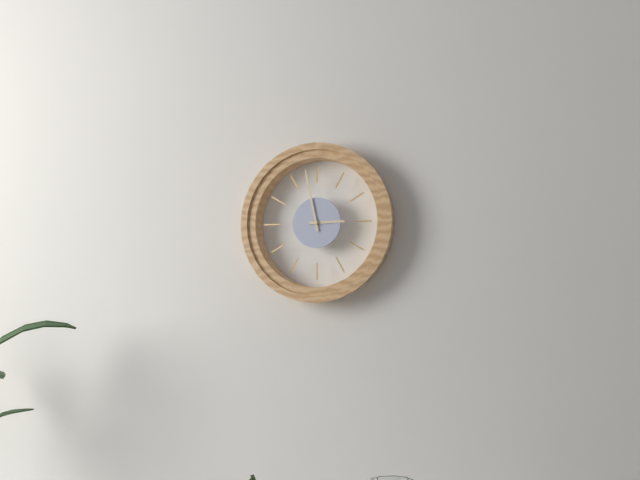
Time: h=2 m=58
